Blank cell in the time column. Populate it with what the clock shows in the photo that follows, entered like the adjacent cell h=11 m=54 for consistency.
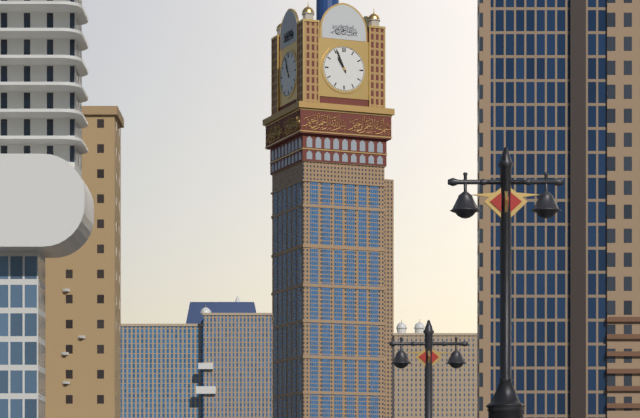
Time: h=10 m=56
